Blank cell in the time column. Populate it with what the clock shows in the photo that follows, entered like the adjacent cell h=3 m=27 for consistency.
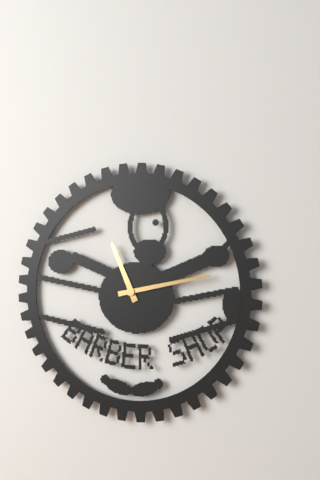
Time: h=11 m=13
